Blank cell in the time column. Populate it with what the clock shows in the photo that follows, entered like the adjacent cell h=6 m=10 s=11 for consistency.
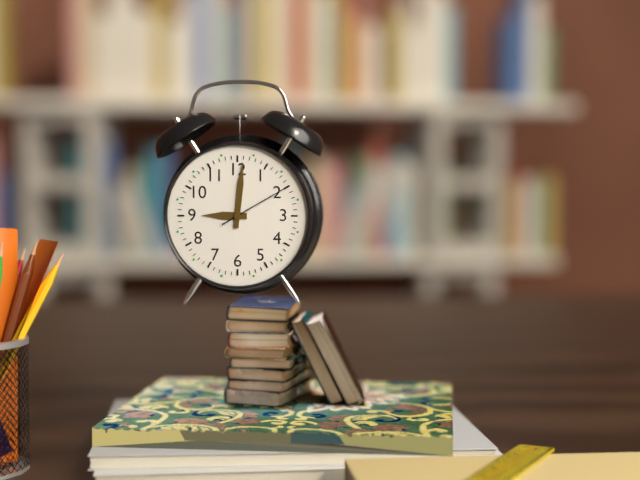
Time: h=9 m=1 s=10
